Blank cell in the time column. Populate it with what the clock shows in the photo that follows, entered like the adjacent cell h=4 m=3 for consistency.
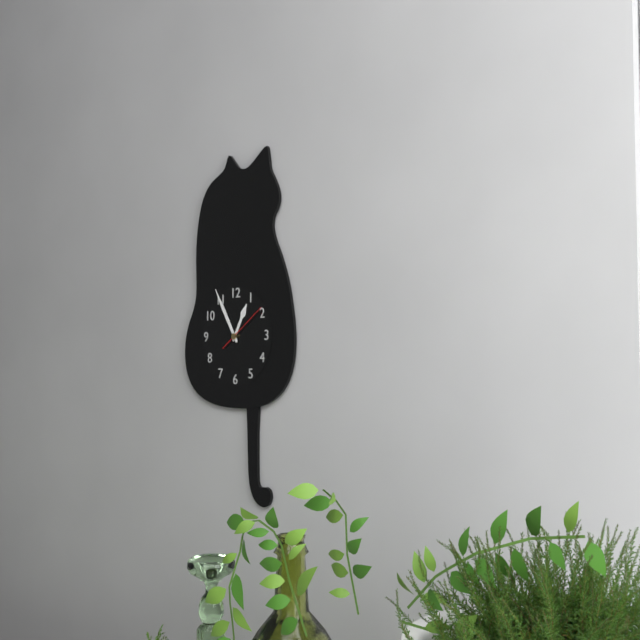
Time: h=12 m=55
